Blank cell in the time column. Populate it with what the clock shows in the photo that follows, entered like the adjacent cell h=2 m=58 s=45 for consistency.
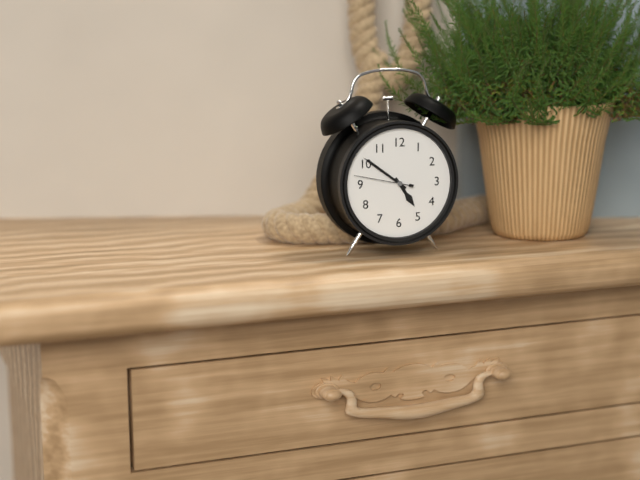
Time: h=4 m=51 s=47
